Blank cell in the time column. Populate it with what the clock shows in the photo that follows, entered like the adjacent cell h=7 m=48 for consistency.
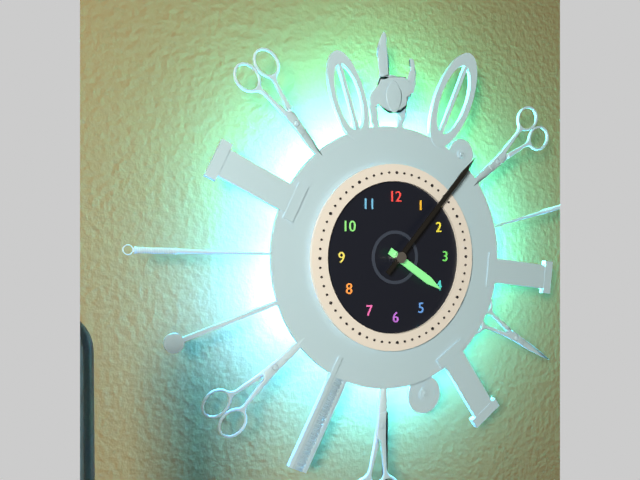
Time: h=4 m=7
